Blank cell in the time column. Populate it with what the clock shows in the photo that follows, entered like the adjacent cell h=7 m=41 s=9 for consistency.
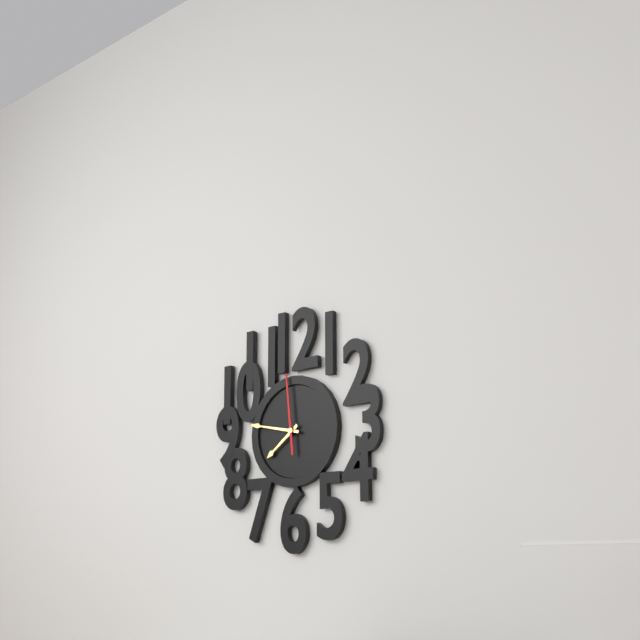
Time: h=7 m=47 s=59
